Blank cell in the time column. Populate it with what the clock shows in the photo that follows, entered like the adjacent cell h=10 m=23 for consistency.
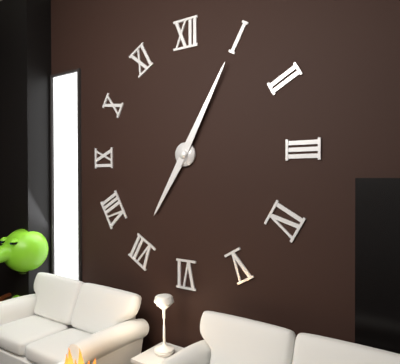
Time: h=7 m=5
